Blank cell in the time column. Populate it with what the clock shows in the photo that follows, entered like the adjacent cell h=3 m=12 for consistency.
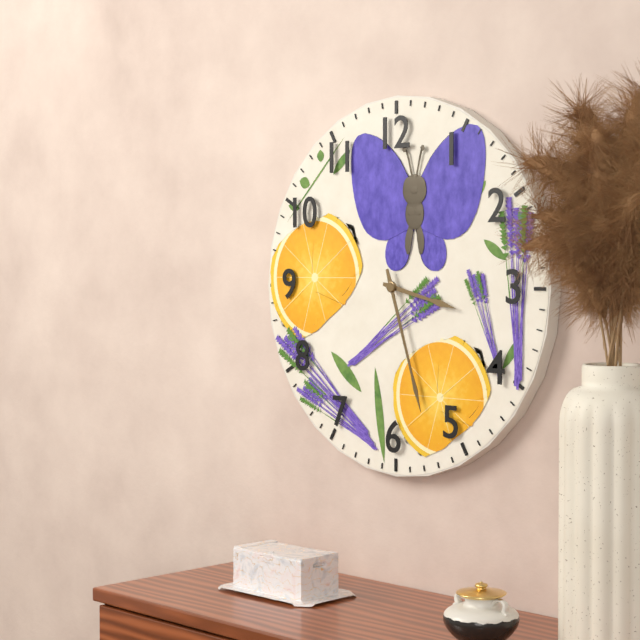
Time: h=3 m=27
